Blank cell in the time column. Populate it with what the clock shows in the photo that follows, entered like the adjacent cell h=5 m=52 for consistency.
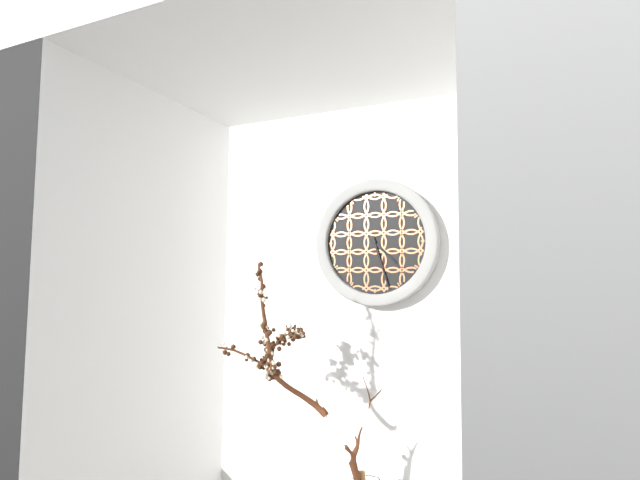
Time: h=4 m=27
